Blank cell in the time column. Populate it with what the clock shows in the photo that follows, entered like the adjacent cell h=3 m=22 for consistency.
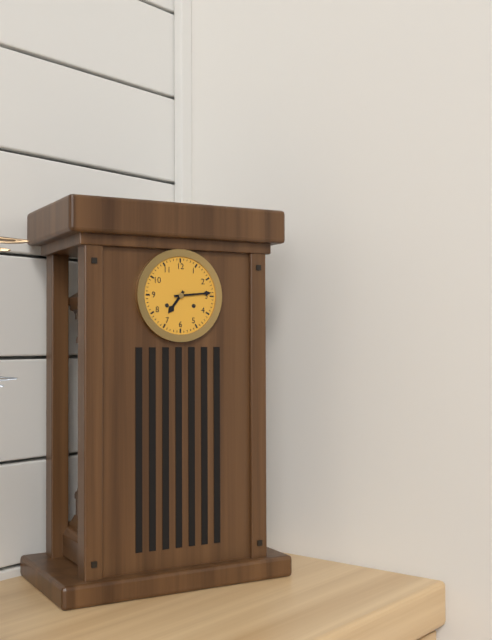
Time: h=7 m=14
